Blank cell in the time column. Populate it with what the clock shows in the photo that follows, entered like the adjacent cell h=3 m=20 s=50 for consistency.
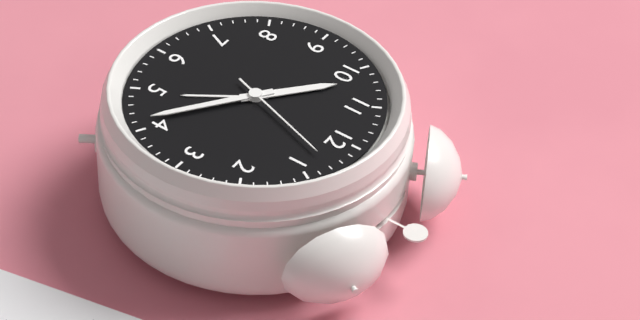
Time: h=10 m=21 s=3
